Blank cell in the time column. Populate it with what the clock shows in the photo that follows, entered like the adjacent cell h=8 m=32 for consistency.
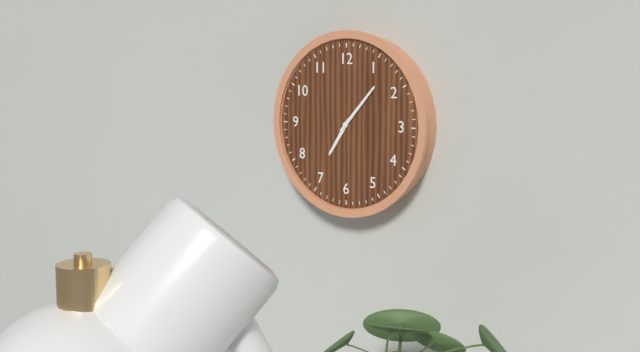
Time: h=7 m=7
